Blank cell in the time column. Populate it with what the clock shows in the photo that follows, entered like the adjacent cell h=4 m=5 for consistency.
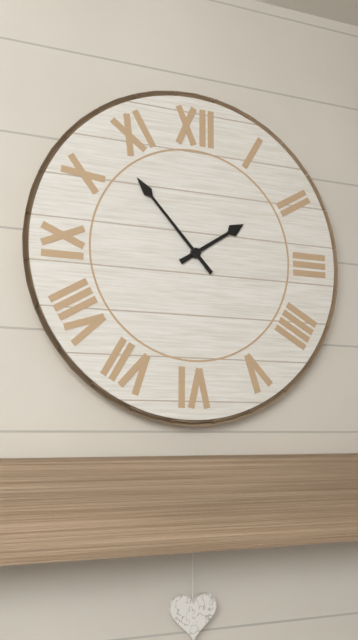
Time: h=1 m=53
